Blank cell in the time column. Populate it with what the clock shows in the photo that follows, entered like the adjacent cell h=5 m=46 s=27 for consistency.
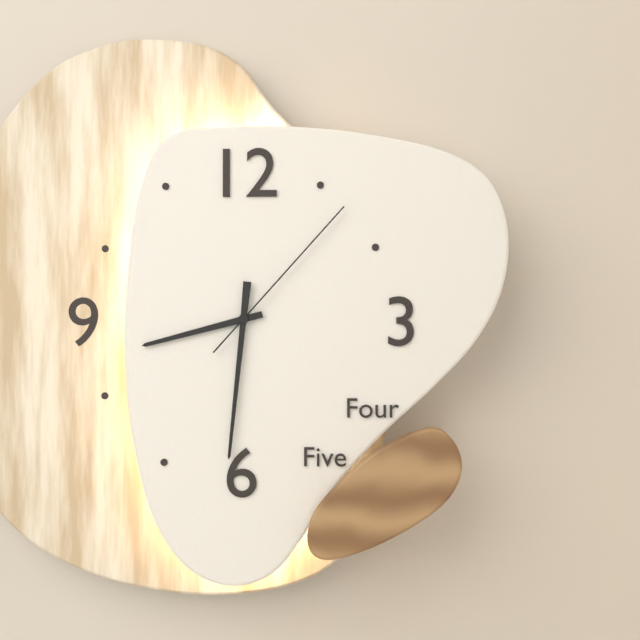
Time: h=8 m=31 s=7
